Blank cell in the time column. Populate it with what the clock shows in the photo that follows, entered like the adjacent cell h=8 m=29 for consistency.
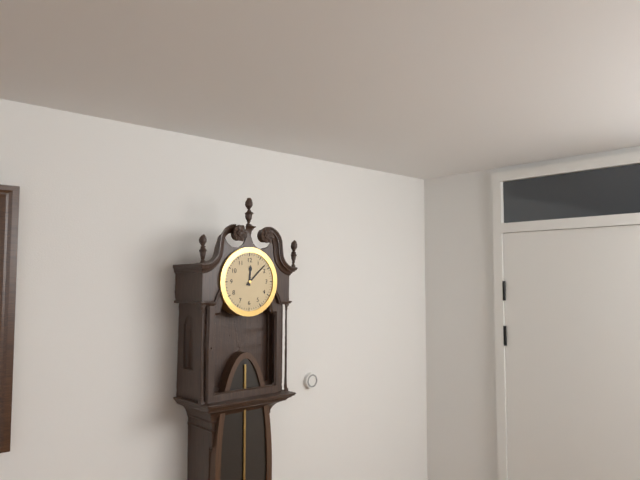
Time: h=12 m=8
